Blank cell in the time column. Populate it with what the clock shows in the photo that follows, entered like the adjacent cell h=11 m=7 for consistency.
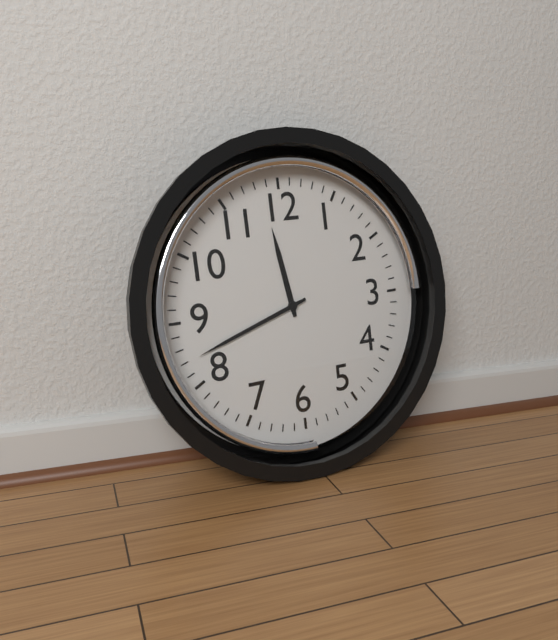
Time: h=11 m=42
